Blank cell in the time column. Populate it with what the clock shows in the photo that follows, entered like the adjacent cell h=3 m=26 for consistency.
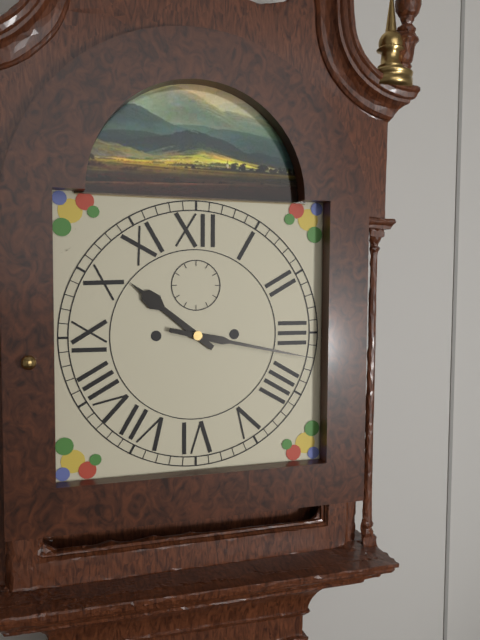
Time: h=10 m=17
